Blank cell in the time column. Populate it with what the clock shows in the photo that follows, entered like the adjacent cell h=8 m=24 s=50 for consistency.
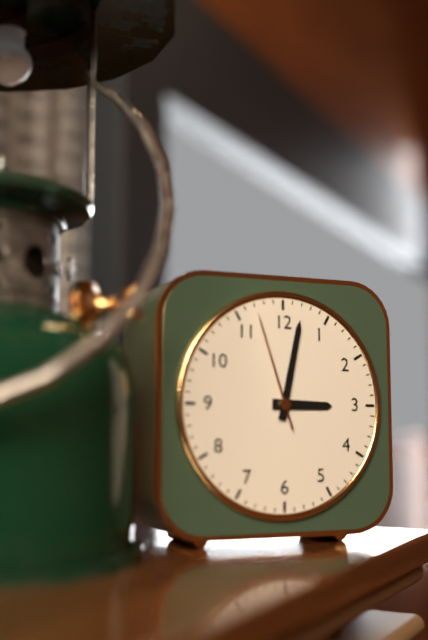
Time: h=3 m=2 s=57
